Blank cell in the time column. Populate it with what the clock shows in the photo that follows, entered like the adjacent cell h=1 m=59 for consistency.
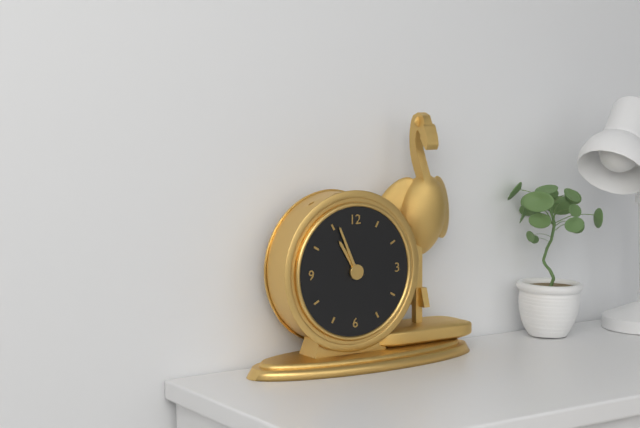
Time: h=10 m=56
